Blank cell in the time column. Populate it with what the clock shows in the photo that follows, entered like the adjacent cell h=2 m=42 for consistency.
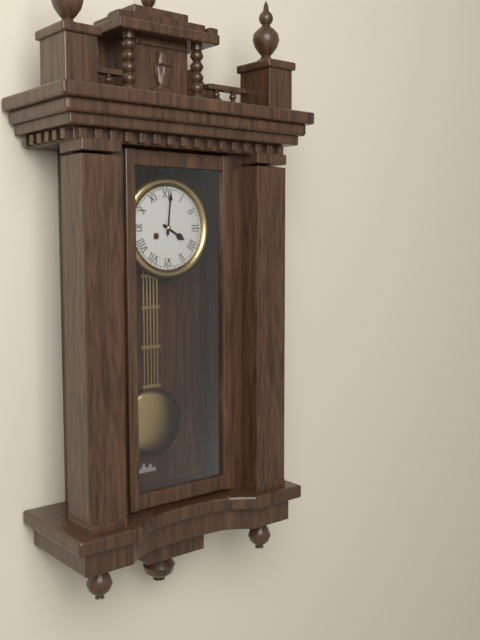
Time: h=4 m=1
